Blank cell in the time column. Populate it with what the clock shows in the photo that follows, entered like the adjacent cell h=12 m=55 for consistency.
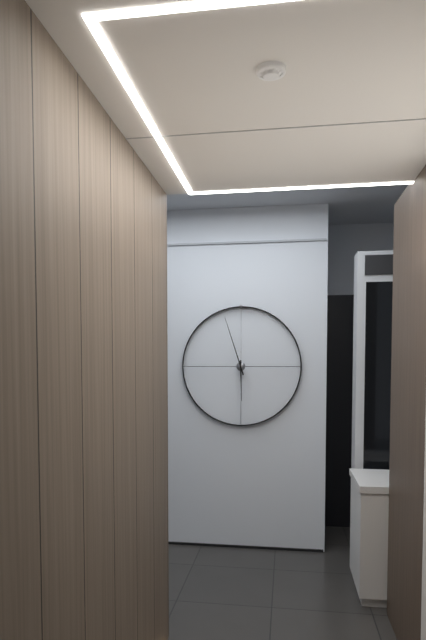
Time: h=5 m=57
